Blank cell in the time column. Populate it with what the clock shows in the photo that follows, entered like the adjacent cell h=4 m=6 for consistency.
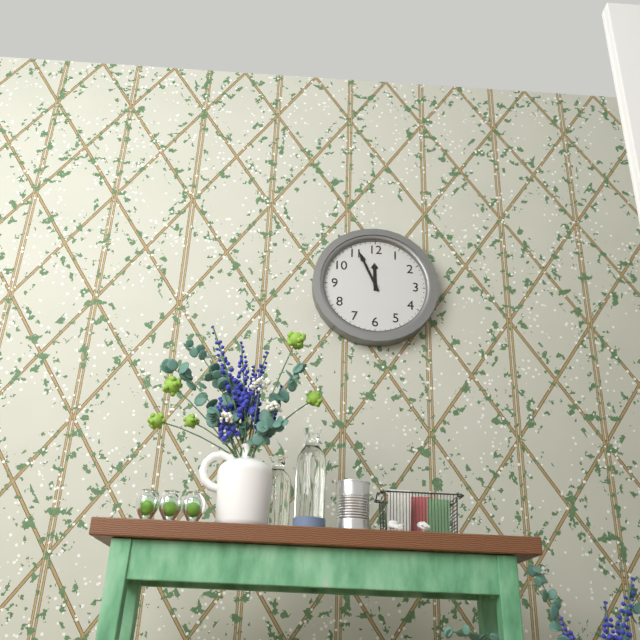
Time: h=11 m=56
